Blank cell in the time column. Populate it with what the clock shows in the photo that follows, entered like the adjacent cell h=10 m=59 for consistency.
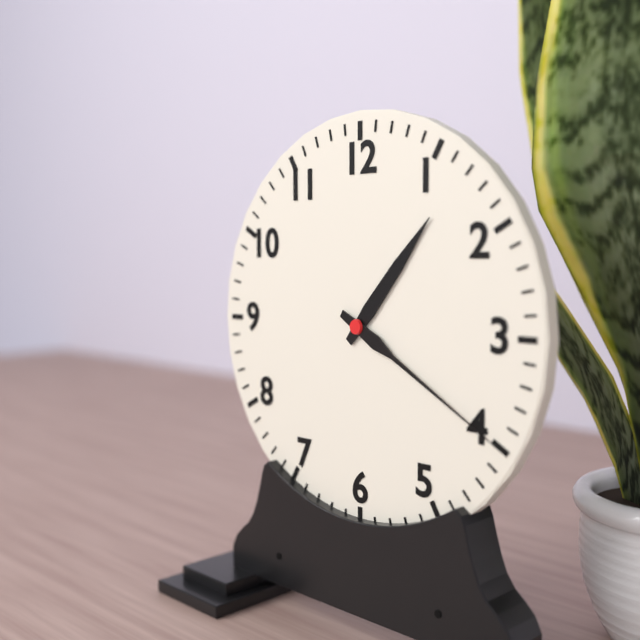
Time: h=1 m=20
